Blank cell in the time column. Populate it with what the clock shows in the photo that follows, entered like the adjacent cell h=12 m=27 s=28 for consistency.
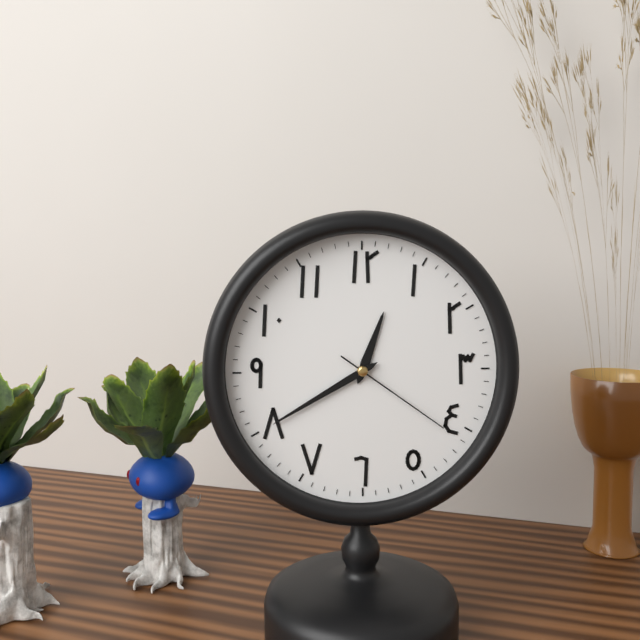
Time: h=12 m=40 s=21
